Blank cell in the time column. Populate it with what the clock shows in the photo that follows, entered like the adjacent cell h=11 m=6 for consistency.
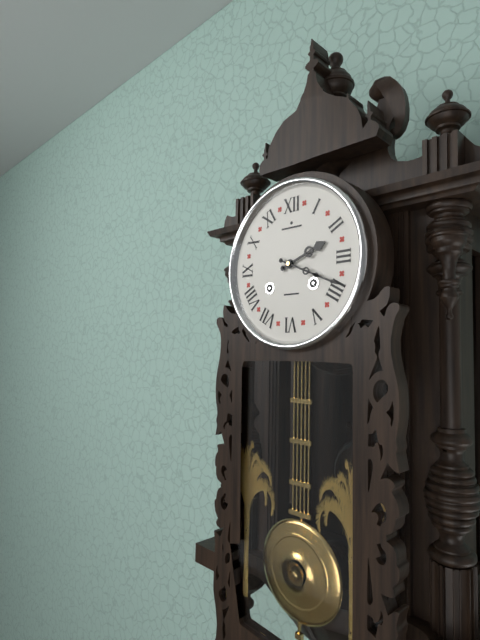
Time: h=2 m=19
